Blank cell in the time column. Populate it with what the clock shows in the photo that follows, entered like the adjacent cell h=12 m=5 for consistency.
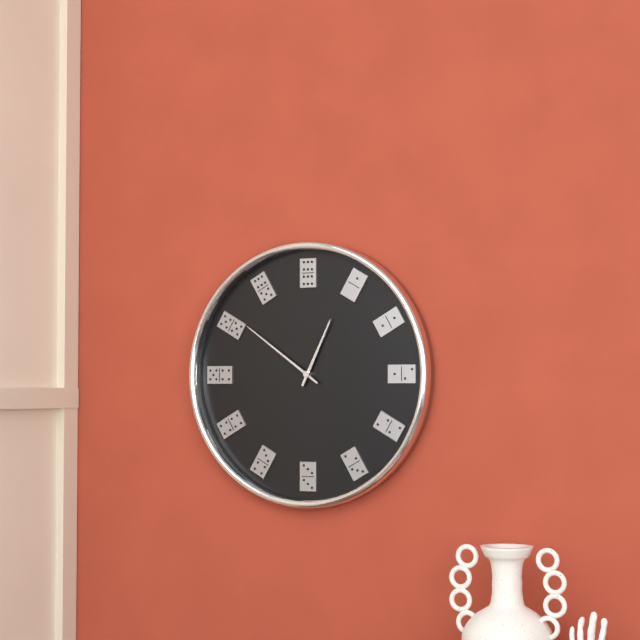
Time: h=12 m=51
